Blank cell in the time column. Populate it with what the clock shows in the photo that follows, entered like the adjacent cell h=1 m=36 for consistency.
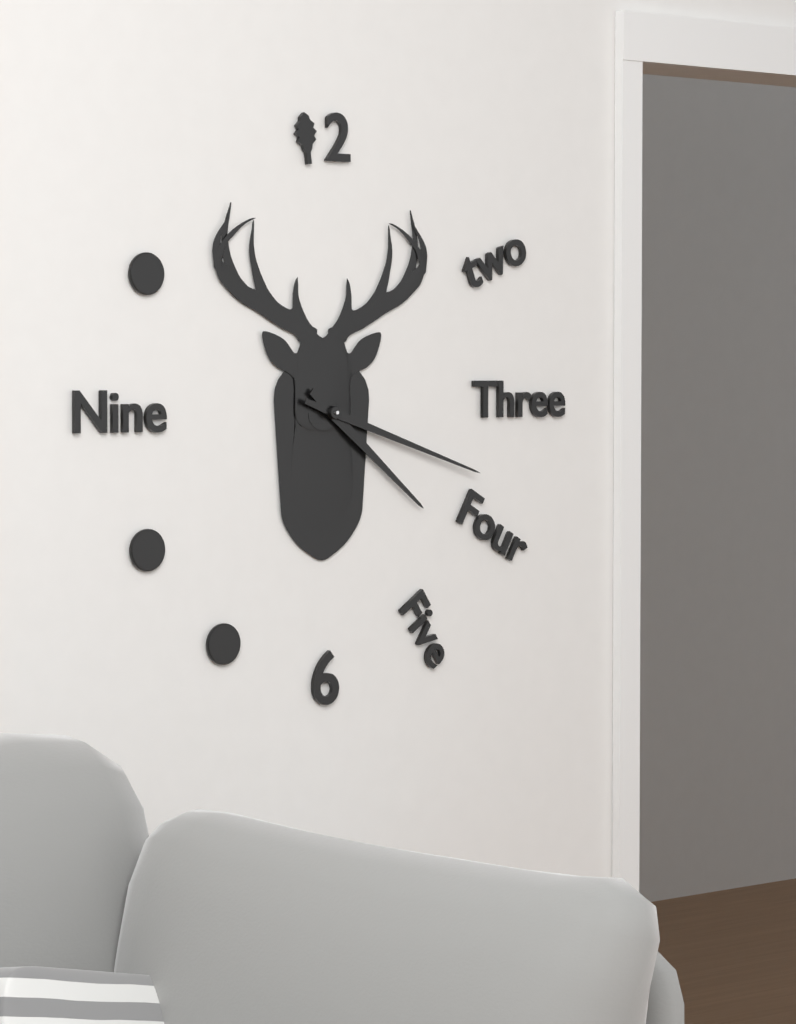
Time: h=4 m=18
